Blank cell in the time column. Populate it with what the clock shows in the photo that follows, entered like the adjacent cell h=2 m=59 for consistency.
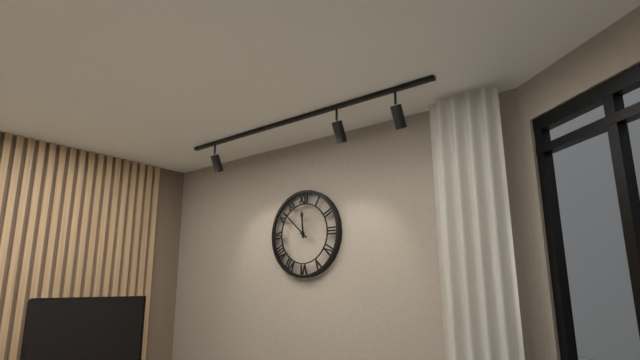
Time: h=11 m=52
